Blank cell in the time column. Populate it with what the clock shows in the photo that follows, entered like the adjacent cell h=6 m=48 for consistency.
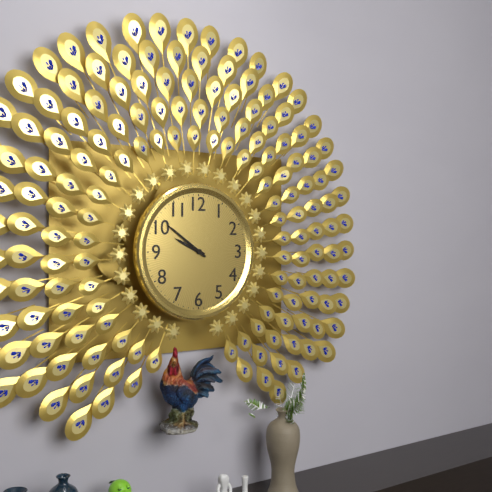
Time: h=9 m=51
